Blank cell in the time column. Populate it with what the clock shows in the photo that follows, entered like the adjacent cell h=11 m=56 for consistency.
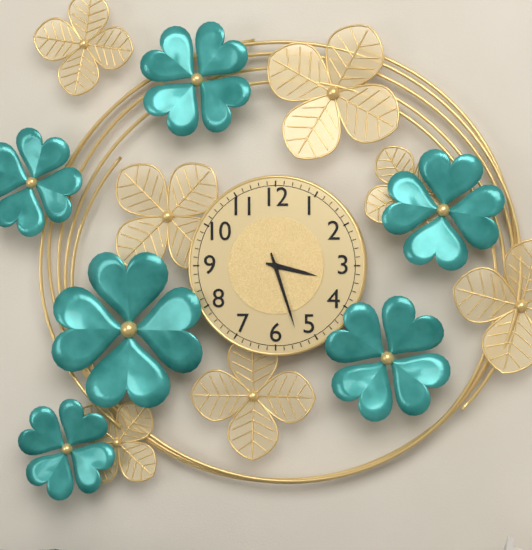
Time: h=3 m=27
